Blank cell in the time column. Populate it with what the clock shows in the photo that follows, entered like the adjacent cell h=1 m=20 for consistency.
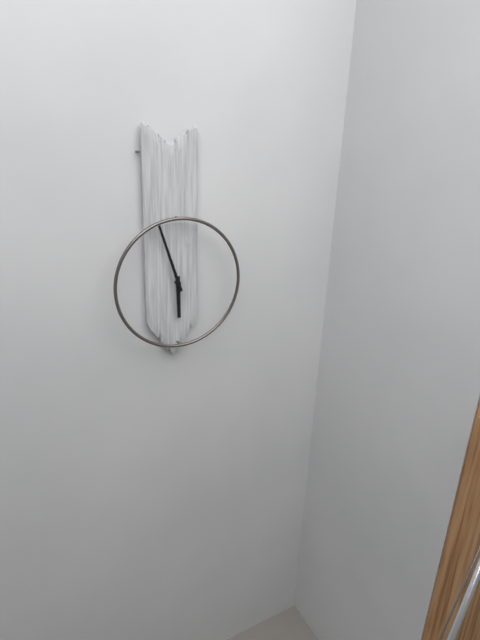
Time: h=5 m=57
